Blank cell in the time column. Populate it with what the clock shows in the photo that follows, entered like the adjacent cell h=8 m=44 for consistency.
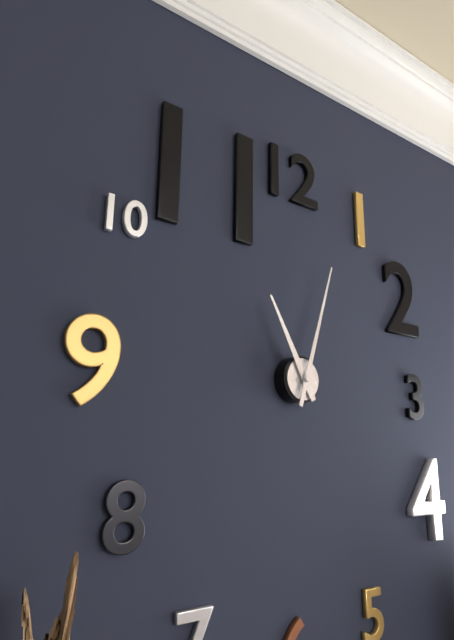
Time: h=11 m=3
